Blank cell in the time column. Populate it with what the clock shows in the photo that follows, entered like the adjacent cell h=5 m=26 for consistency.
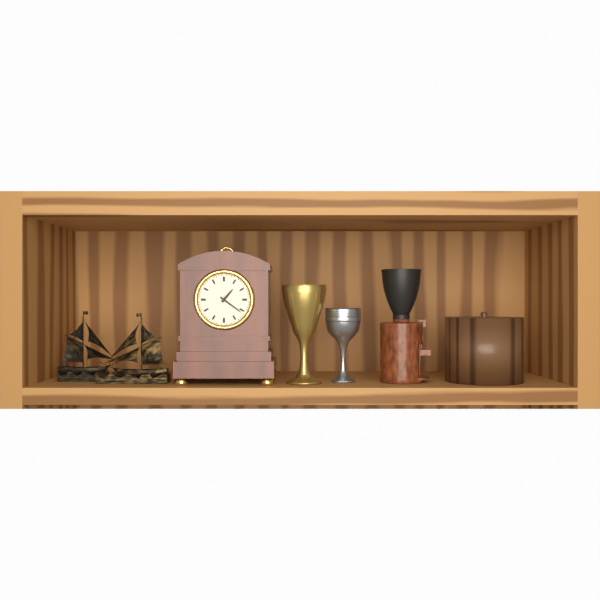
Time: h=1 m=21
